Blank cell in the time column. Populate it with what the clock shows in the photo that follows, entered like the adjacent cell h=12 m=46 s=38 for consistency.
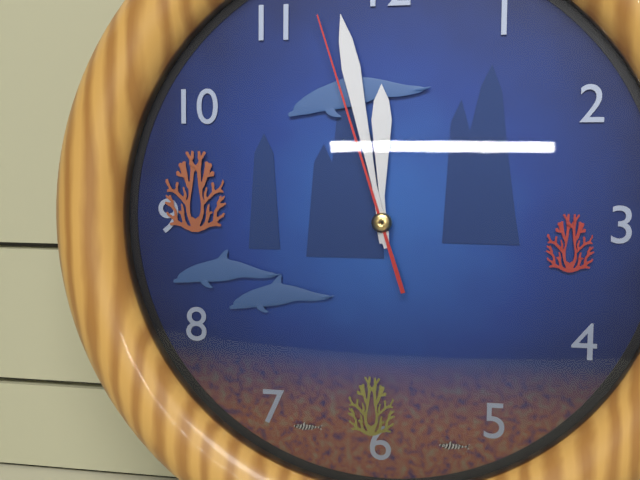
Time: h=11 m=58 s=57
